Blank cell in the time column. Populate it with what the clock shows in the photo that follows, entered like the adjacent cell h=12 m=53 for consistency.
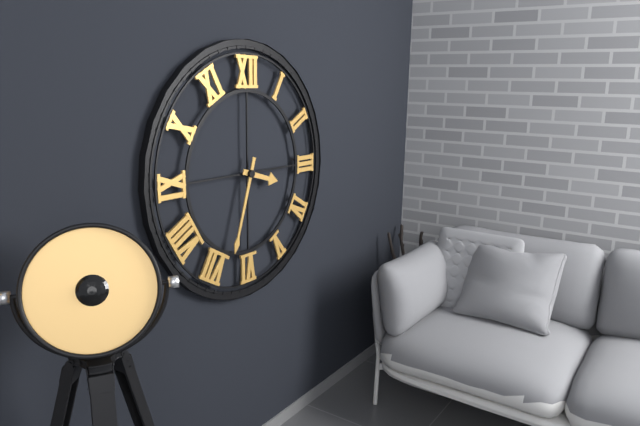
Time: h=3 m=33
